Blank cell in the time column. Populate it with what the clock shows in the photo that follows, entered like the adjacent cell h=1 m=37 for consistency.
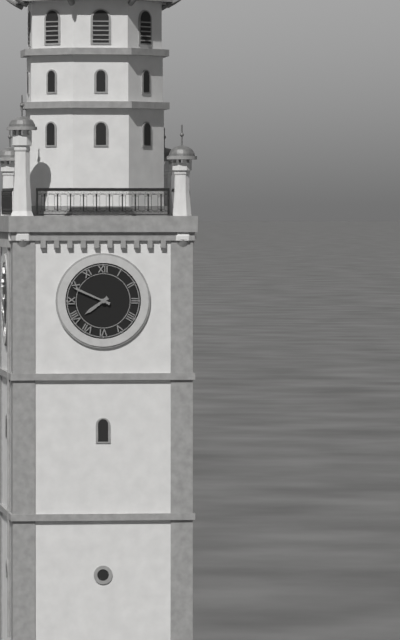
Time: h=7 m=49
